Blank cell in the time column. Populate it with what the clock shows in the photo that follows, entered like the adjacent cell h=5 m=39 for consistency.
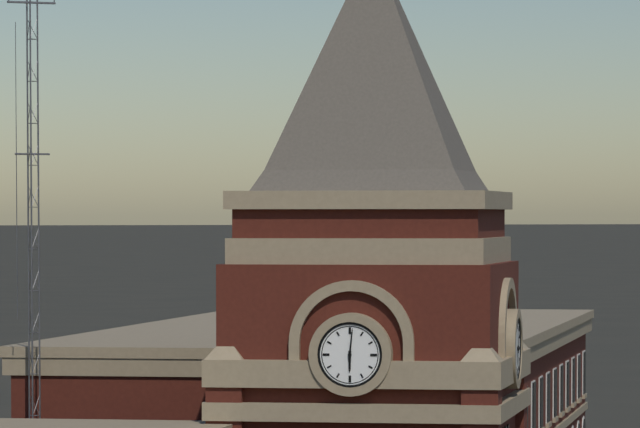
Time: h=6 m=1
